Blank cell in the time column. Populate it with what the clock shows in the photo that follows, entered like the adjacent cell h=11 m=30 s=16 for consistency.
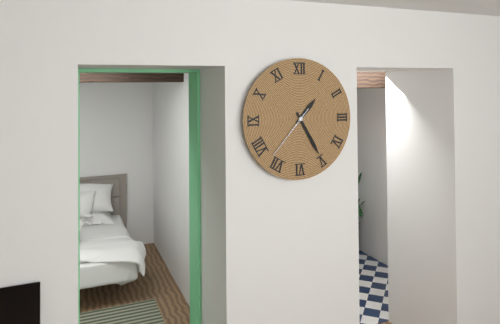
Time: h=1 m=25 s=37
